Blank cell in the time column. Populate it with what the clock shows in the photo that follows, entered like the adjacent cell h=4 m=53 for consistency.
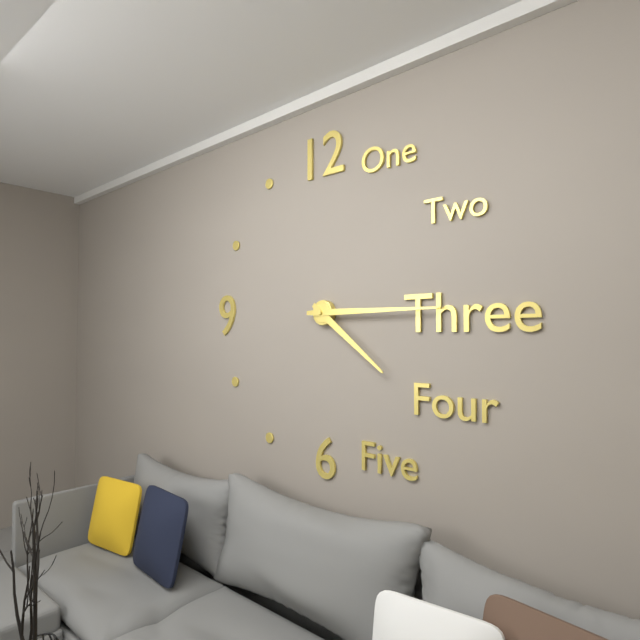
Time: h=4 m=15
